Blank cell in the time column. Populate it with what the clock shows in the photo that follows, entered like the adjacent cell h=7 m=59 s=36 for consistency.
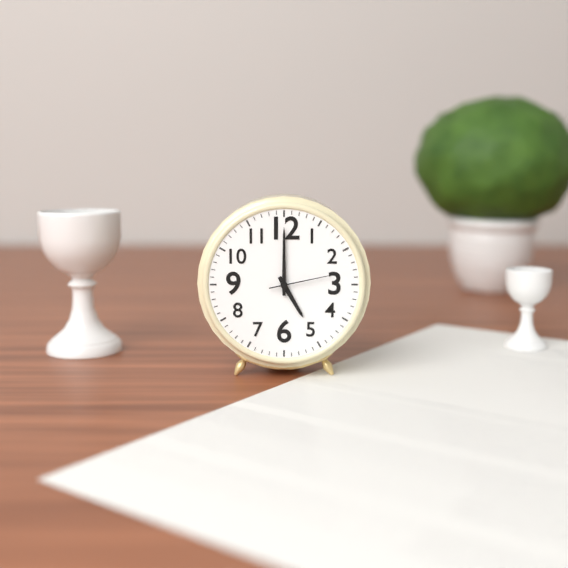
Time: h=5 m=0 s=13
